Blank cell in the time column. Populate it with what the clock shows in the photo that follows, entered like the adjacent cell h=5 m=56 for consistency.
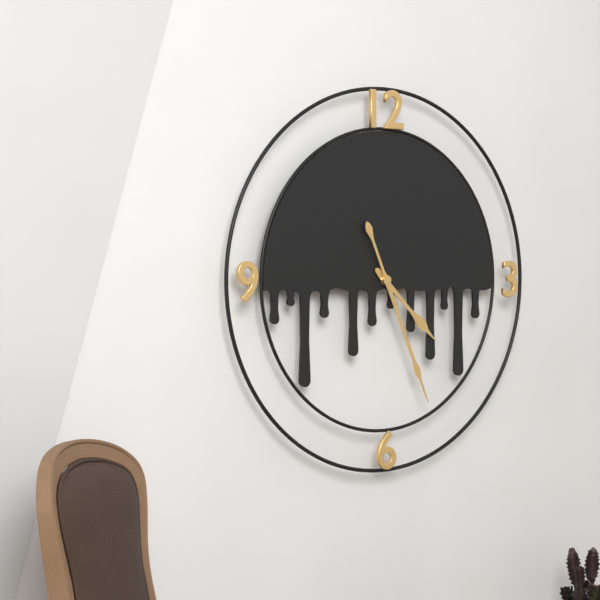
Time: h=4 m=26
